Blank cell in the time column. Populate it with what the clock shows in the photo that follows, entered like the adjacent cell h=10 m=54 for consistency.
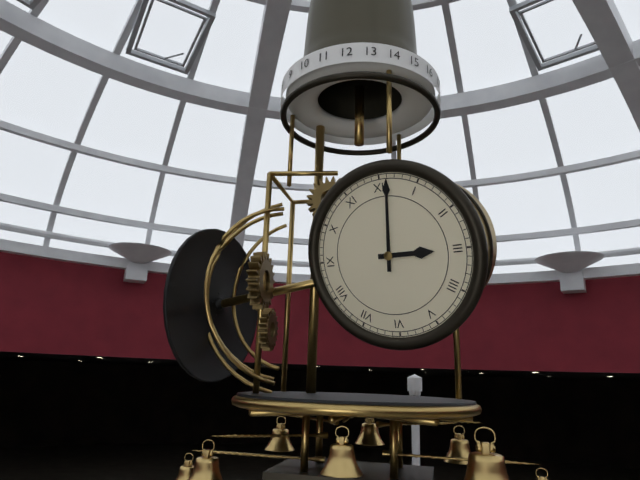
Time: h=3 m=1
